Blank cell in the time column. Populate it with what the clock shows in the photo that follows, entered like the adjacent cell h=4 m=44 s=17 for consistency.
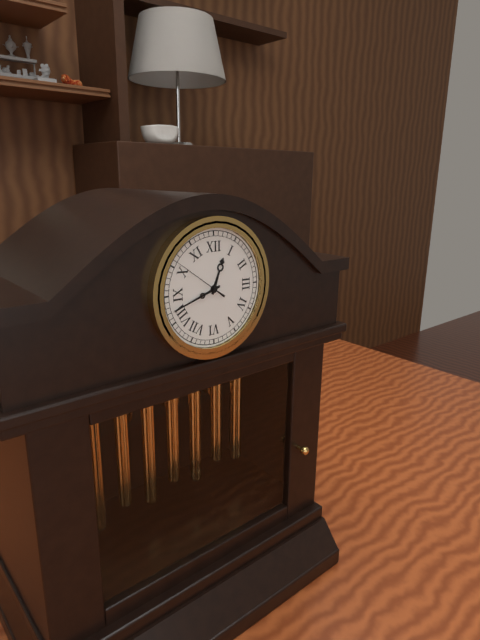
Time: h=12 m=42 s=51
